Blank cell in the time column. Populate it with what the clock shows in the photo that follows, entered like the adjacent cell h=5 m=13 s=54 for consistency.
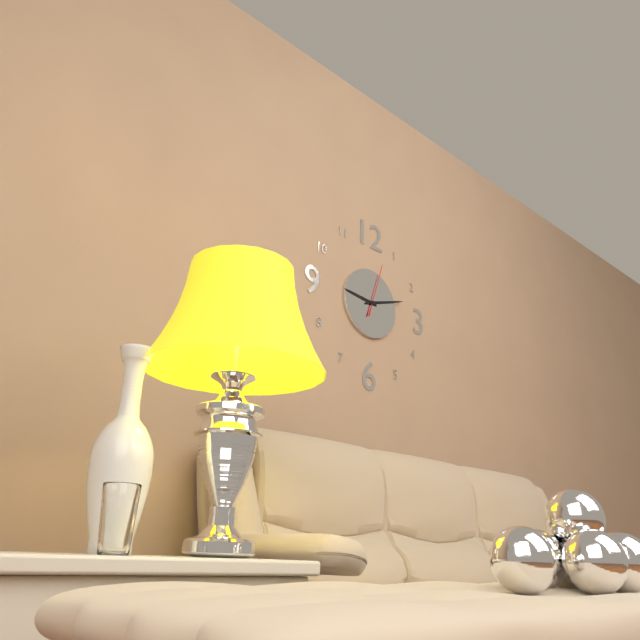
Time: h=9 m=12 s=3
